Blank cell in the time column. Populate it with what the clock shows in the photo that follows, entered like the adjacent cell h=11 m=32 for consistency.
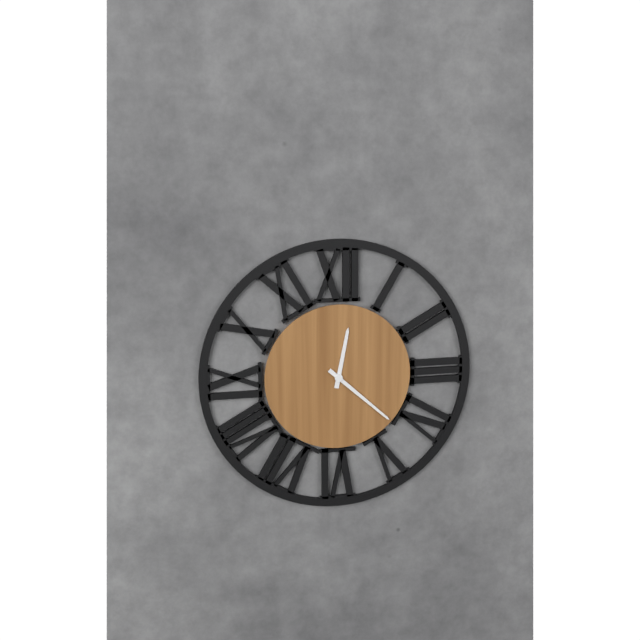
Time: h=12 m=22
